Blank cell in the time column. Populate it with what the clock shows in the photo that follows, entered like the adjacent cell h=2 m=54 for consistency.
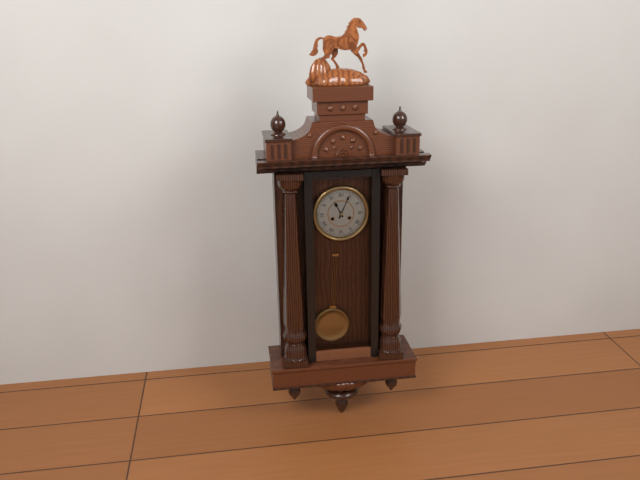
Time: h=11 m=4
